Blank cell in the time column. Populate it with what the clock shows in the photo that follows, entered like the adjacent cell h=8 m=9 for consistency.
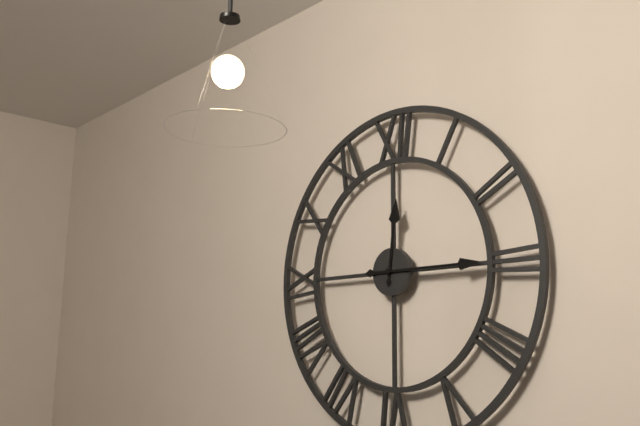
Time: h=12 m=15
